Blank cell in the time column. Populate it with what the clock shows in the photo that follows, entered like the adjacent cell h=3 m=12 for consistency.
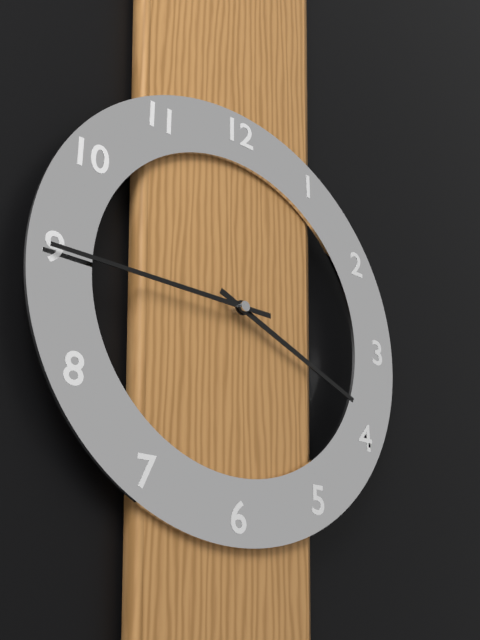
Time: h=3 m=45
